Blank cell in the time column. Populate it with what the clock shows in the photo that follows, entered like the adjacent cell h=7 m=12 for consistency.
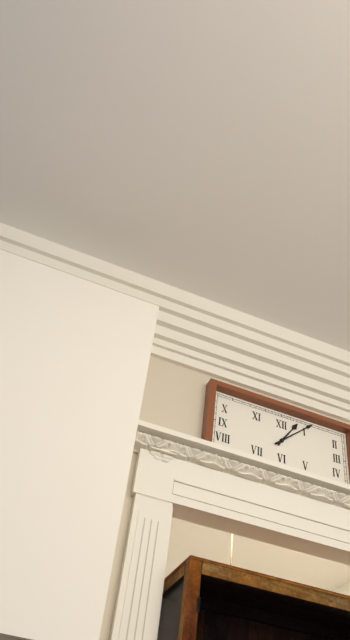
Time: h=1 m=8
